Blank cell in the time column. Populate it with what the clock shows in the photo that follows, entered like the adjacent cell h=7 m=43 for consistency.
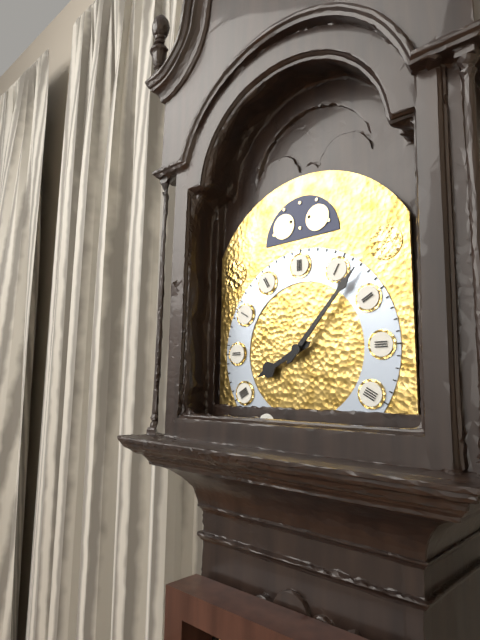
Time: h=8 m=7
